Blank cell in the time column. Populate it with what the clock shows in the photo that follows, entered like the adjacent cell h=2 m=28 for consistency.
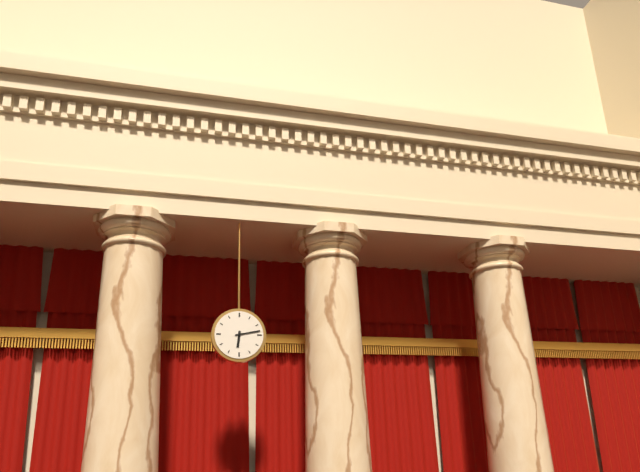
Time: h=6 m=13
